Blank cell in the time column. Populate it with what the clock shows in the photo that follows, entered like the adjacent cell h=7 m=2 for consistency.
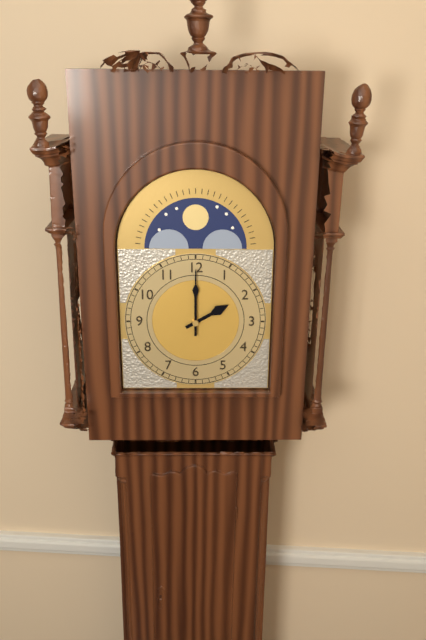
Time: h=2 m=0
